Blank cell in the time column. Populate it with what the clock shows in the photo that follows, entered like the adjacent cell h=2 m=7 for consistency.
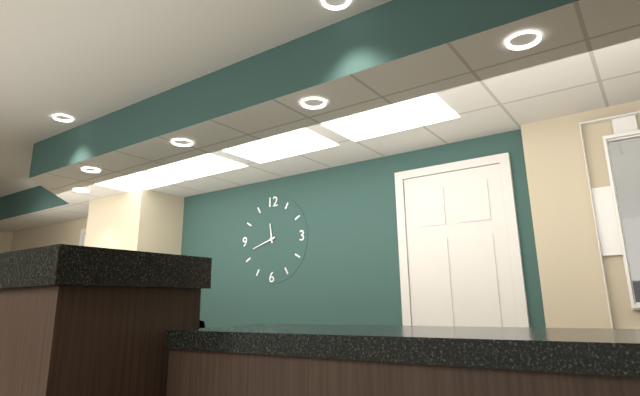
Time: h=11 m=42
